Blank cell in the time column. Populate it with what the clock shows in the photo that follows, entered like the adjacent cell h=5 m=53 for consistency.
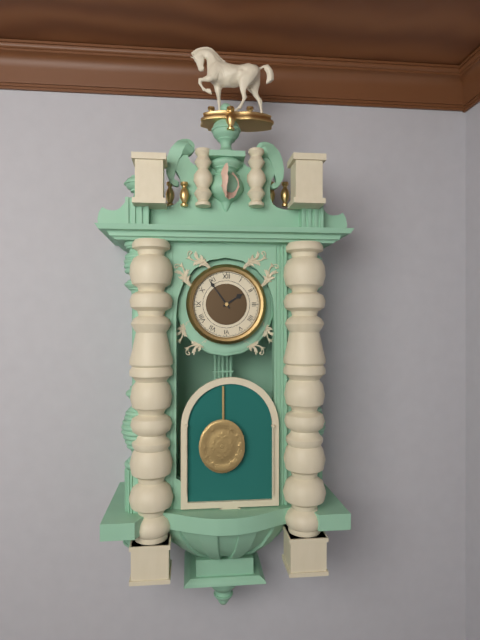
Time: h=1 m=54
